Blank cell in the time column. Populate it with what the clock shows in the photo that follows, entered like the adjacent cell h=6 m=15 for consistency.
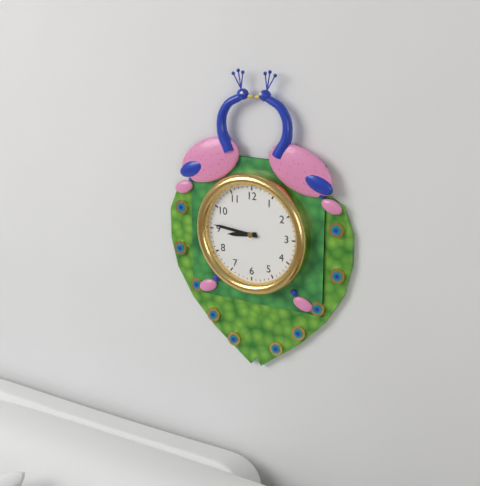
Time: h=8 m=46
